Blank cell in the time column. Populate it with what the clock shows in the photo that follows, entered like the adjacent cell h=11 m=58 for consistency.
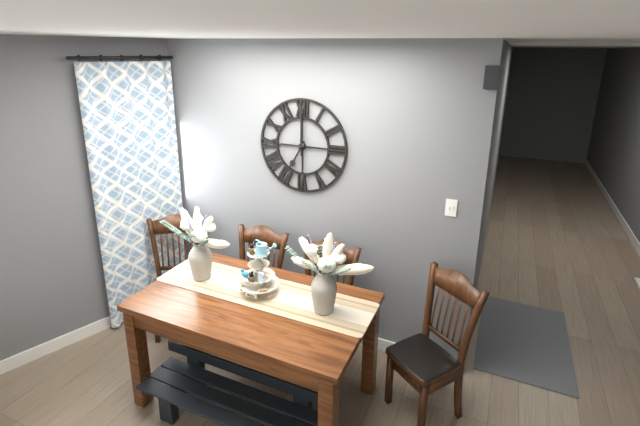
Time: h=7 m=0
